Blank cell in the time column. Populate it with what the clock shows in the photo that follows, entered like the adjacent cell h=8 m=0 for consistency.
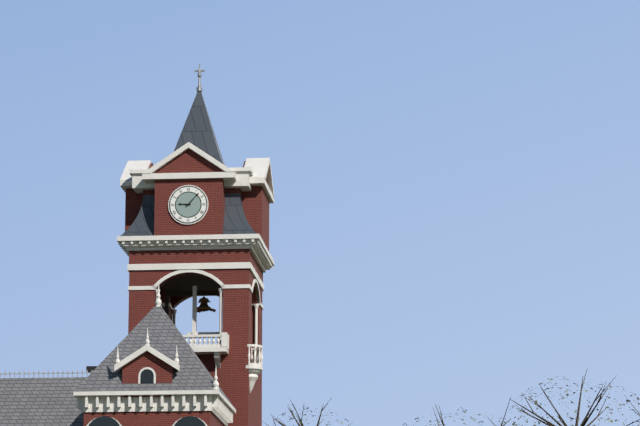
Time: h=9 m=7
